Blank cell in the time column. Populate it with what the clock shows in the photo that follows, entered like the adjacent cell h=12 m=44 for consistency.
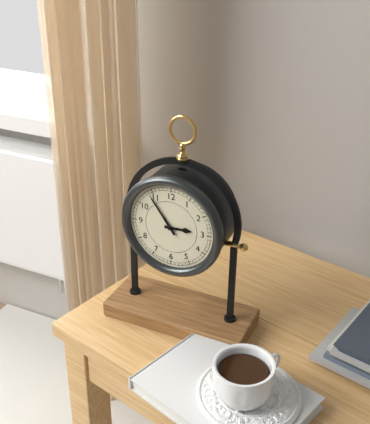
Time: h=2 m=54
